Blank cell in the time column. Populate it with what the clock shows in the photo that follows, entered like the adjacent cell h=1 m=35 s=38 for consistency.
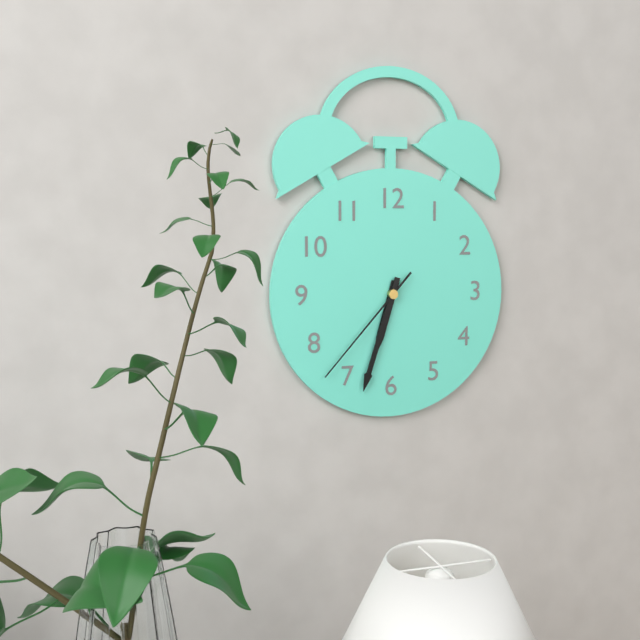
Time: h=6 m=33 s=37
